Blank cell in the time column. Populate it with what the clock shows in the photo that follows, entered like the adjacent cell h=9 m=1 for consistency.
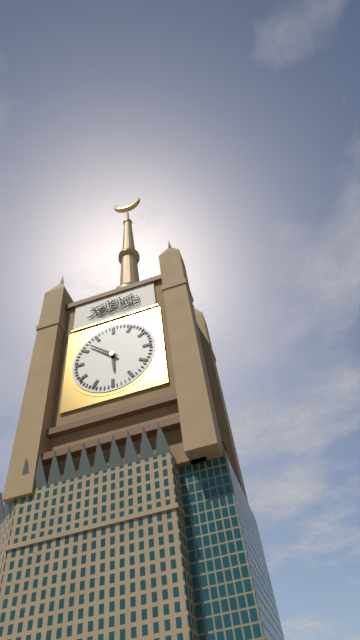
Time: h=5 m=52
